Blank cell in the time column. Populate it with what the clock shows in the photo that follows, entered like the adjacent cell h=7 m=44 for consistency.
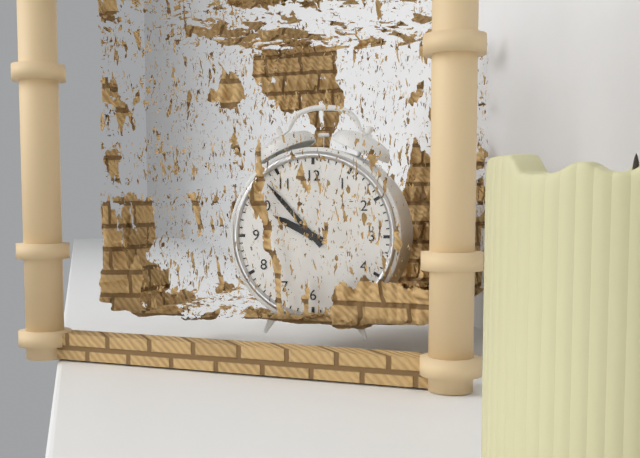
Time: h=9 m=53
